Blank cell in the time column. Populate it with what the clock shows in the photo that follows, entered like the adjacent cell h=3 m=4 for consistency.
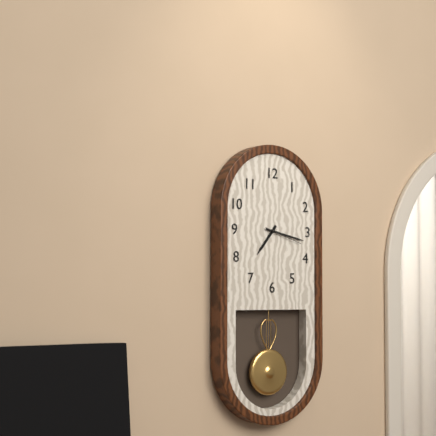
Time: h=7 m=17
